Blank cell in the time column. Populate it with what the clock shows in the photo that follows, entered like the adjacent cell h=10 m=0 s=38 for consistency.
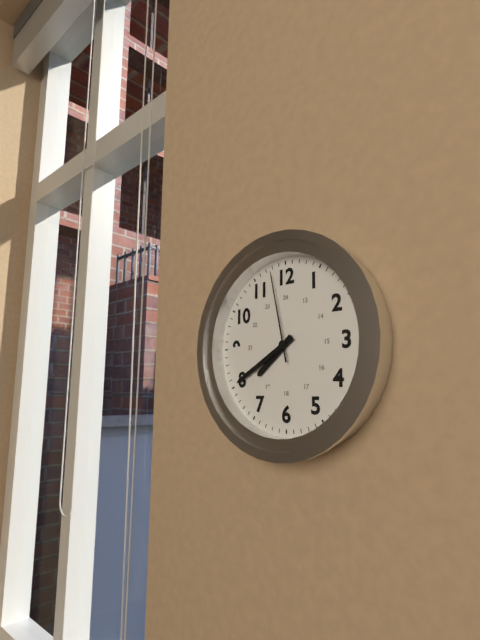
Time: h=7 m=40 s=58
